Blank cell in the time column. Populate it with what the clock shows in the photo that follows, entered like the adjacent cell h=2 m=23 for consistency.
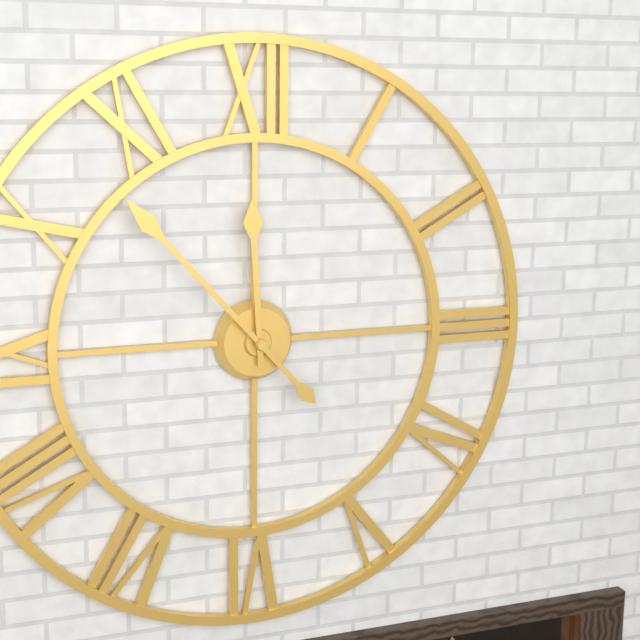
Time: h=11 m=53
